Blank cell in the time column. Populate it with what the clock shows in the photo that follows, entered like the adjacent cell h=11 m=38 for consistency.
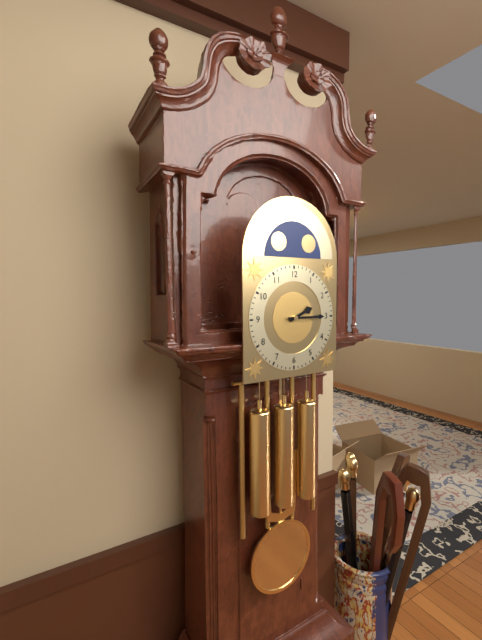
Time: h=2 m=15
